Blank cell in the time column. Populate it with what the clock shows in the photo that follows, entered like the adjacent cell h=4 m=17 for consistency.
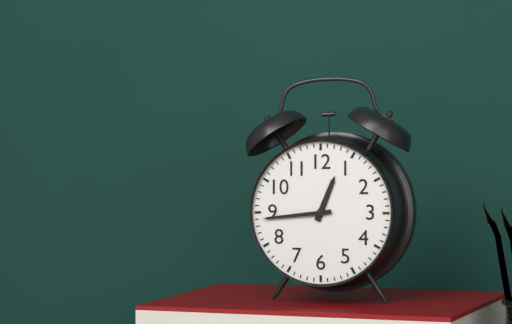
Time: h=12 m=44
